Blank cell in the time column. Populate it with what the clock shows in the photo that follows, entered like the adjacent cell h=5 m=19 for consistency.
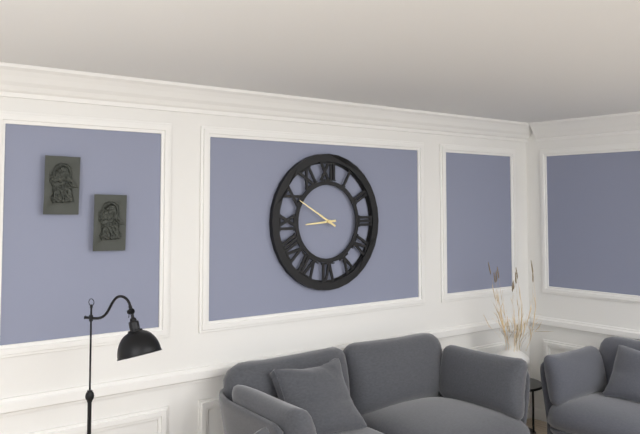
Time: h=8 m=50
